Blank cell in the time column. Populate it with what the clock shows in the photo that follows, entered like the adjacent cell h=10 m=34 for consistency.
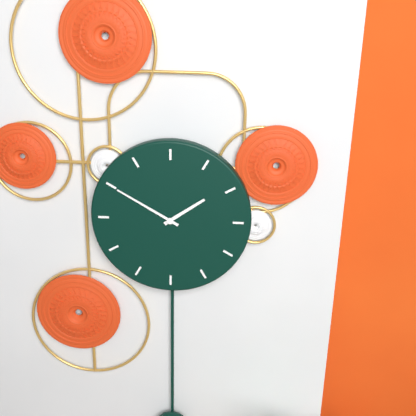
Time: h=1 m=50
